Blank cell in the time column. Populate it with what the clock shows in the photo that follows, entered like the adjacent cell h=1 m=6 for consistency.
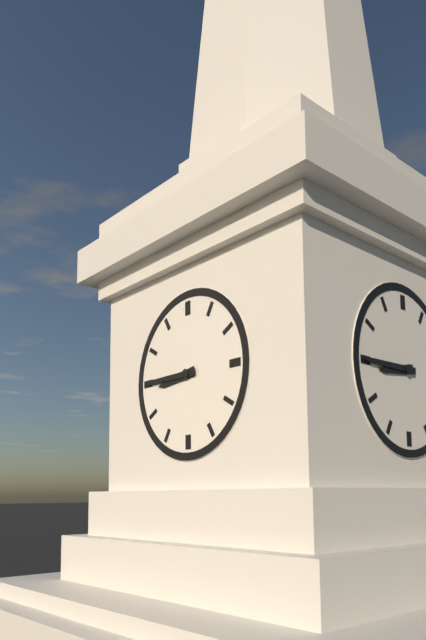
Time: h=8 m=45
